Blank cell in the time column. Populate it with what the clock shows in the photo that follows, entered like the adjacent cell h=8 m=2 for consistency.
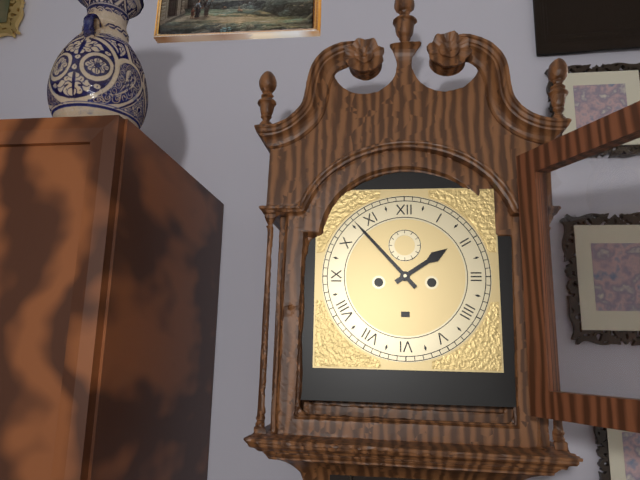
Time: h=1 m=53
